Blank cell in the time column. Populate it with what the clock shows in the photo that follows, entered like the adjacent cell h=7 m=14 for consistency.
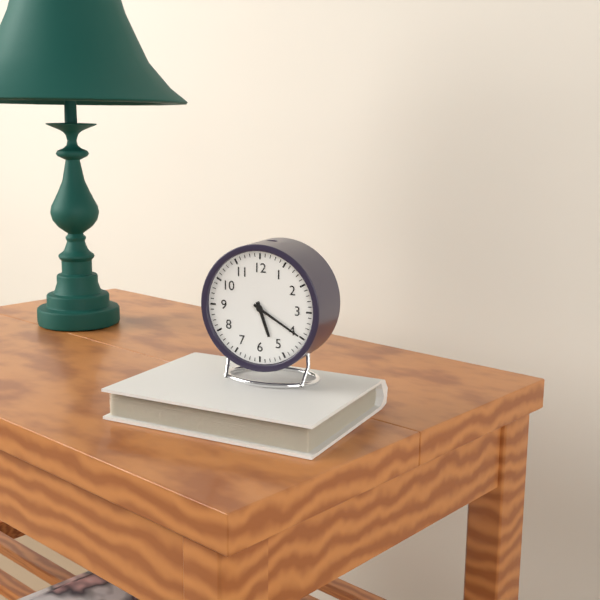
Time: h=5 m=20
